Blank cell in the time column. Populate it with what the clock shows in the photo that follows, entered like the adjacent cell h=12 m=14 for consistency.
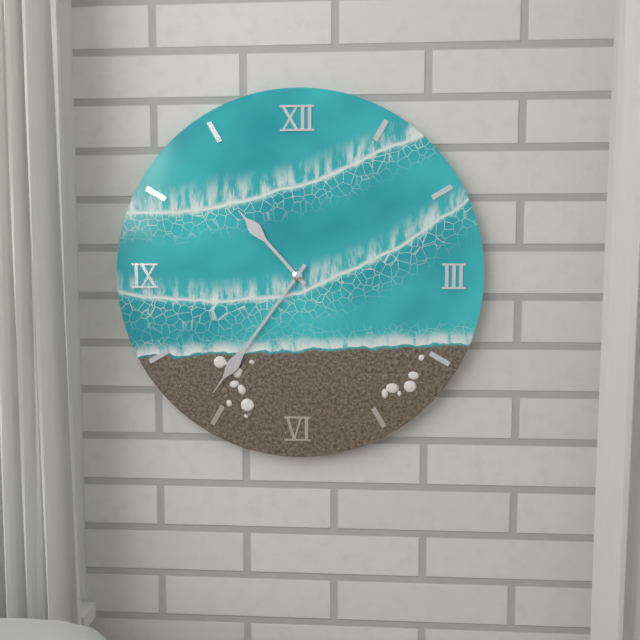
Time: h=10 m=36
